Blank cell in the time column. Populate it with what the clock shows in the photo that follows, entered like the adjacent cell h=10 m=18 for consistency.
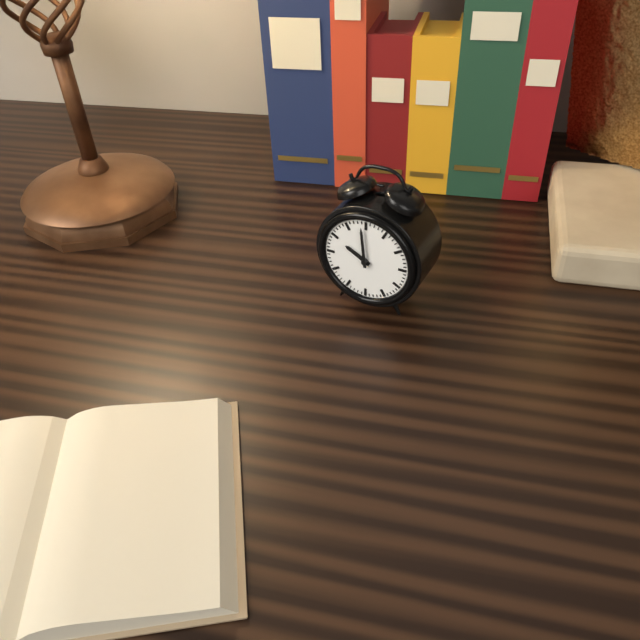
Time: h=9 m=59
